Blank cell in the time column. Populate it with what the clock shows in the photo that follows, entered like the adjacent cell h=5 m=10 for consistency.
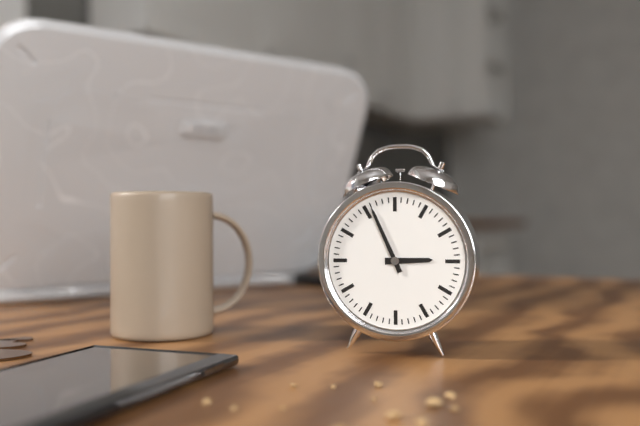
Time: h=2 m=56
